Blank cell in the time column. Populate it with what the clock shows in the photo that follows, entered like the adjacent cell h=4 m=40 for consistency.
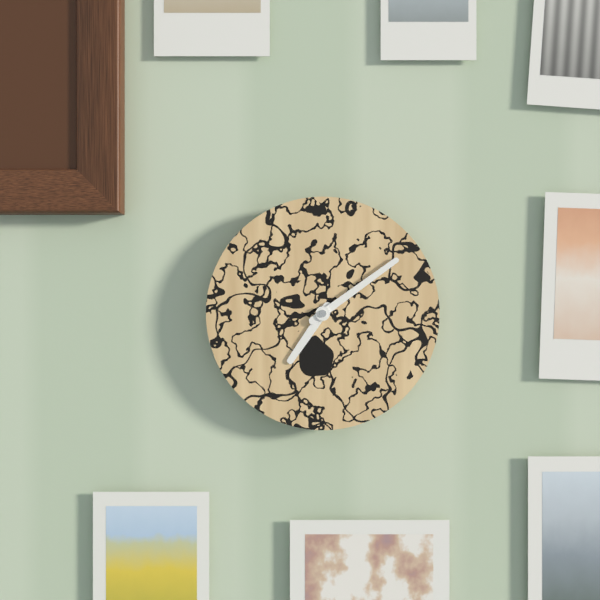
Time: h=7 m=9
